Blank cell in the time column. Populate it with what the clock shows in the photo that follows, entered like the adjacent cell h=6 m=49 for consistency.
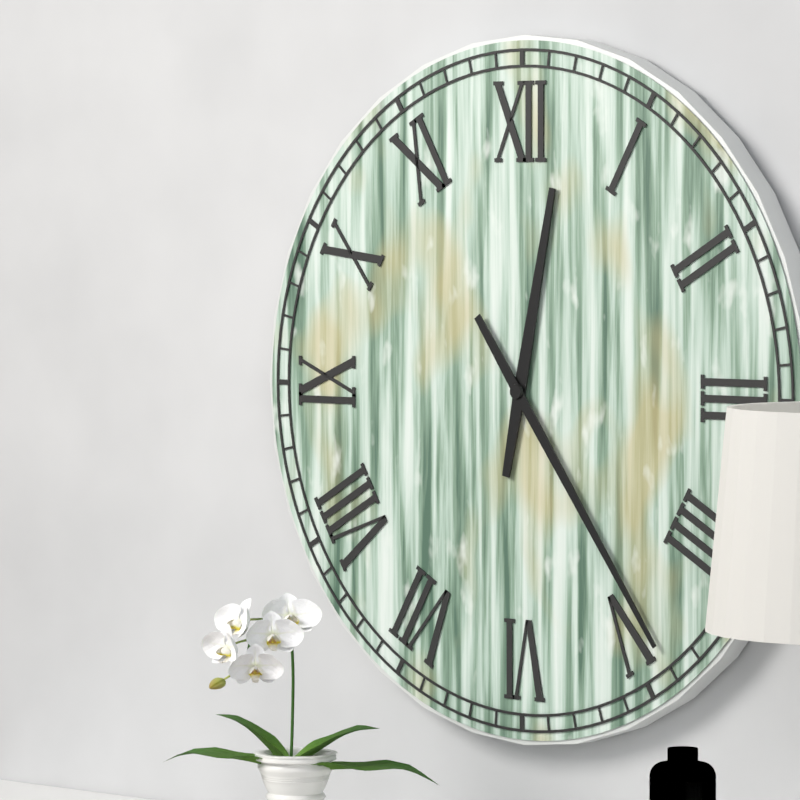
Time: h=12 m=24
